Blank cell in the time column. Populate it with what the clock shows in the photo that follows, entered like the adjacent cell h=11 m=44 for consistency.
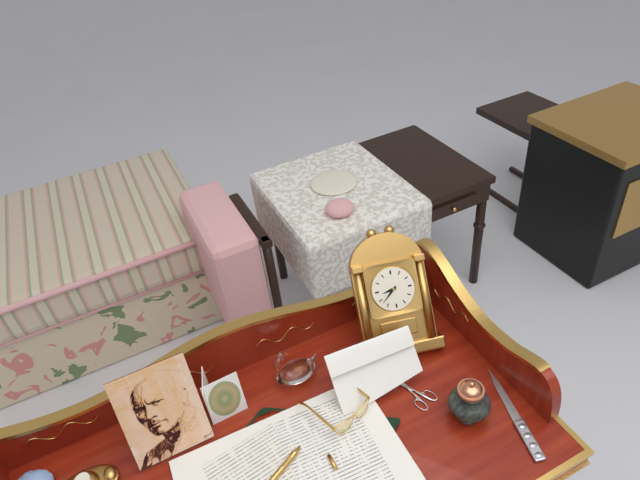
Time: h=8 m=38
